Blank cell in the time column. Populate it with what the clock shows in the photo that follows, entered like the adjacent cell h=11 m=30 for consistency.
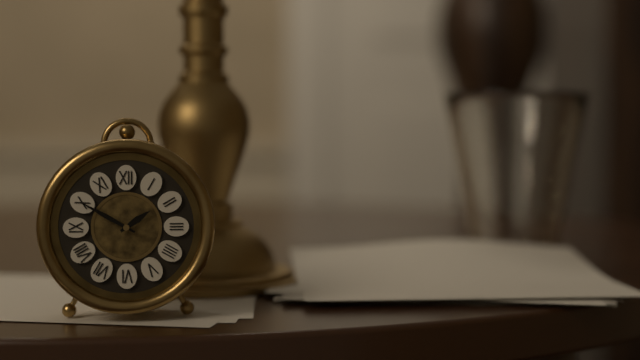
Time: h=1 m=50
